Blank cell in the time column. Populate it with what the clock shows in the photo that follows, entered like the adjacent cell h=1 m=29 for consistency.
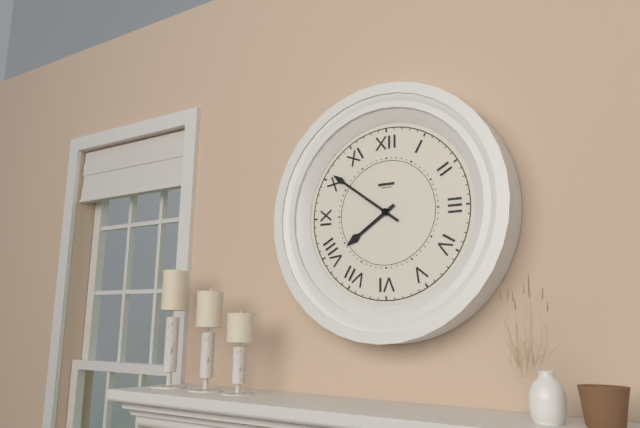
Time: h=7 m=51
